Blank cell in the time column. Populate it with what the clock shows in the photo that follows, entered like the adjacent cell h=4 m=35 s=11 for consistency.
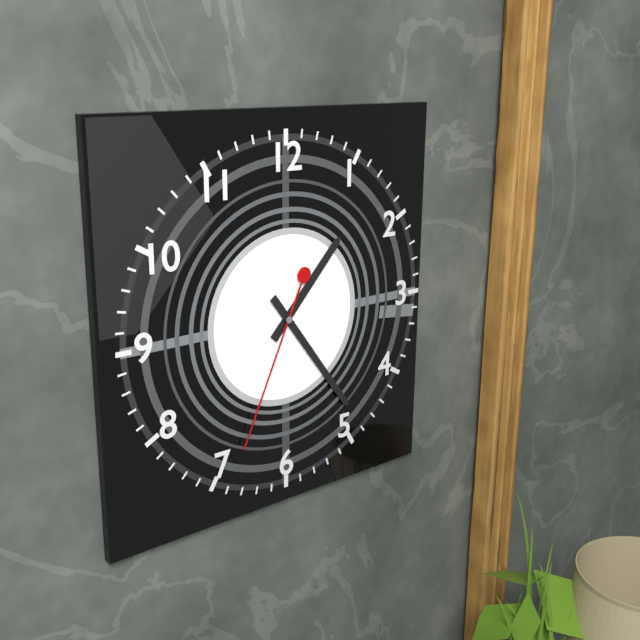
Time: h=1 m=24 s=34
